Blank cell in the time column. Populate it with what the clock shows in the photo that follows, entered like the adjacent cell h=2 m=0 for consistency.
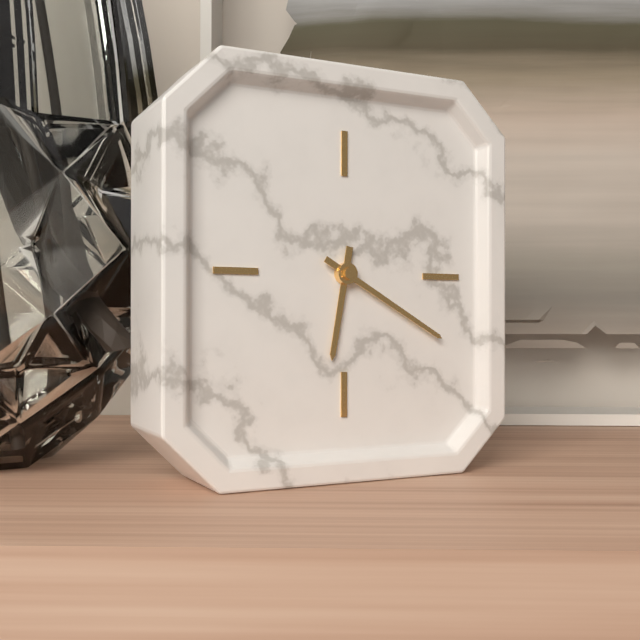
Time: h=6 m=20
